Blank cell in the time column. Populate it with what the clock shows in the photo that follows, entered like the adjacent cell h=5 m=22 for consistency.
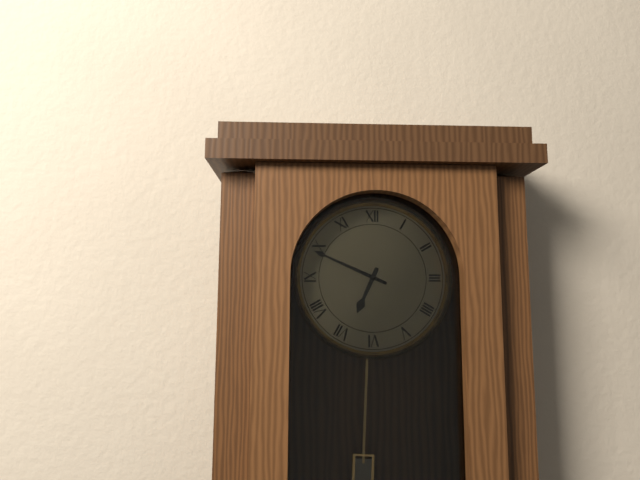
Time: h=6 m=49
